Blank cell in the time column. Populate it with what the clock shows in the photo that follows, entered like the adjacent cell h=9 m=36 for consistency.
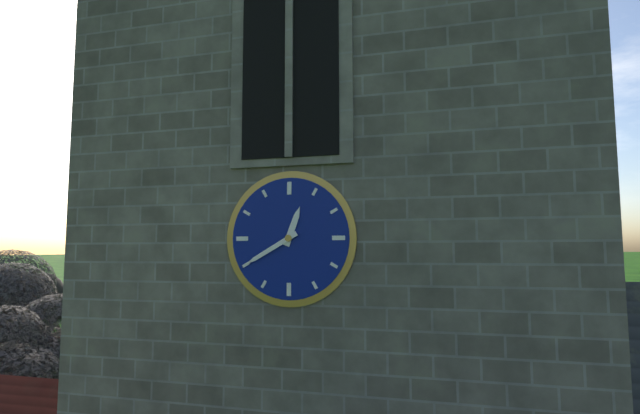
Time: h=12 m=40
